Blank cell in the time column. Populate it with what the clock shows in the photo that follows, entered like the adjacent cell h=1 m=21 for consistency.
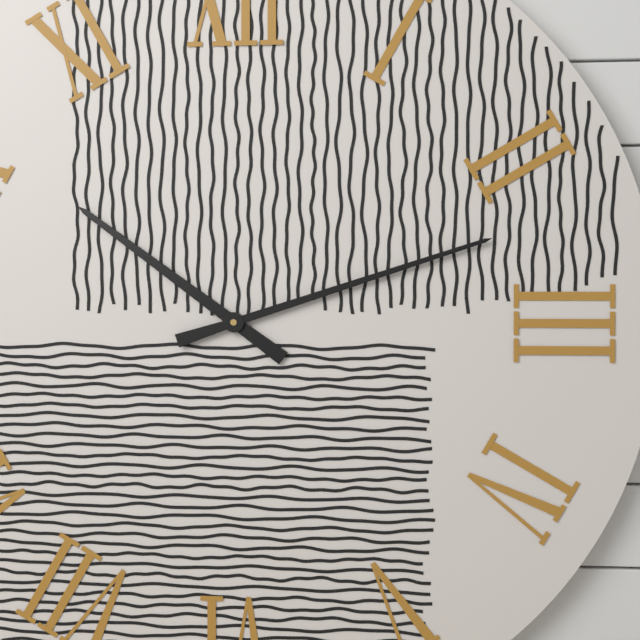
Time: h=10 m=12
